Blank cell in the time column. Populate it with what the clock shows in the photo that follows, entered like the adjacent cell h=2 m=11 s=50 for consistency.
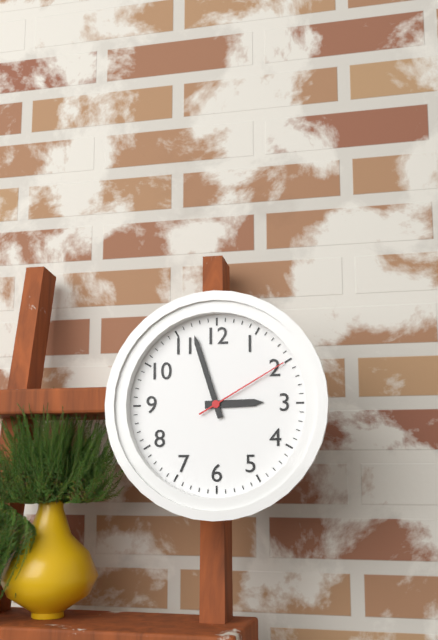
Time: h=2 m=57 s=10
